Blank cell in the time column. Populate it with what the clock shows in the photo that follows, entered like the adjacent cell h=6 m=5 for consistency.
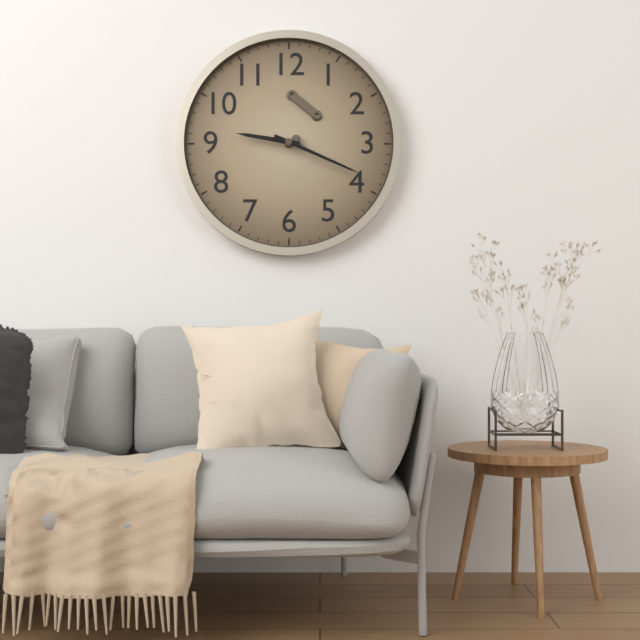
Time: h=9 m=19
